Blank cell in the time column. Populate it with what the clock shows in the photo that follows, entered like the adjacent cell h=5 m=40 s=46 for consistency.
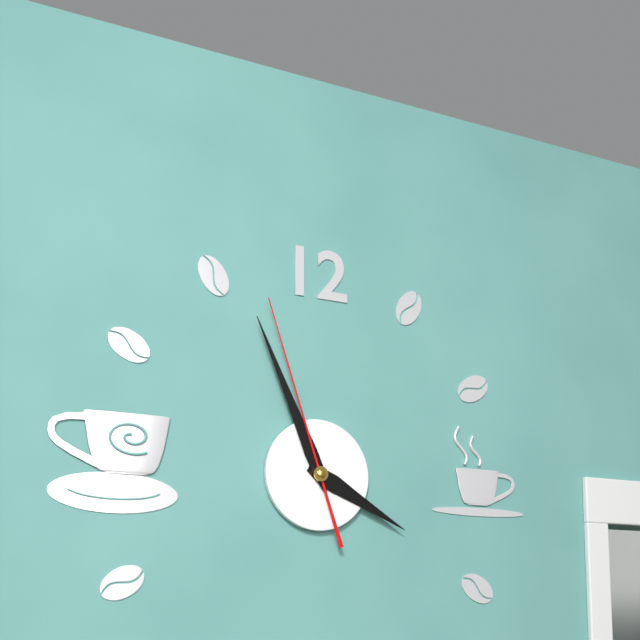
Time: h=3 m=56 s=57
